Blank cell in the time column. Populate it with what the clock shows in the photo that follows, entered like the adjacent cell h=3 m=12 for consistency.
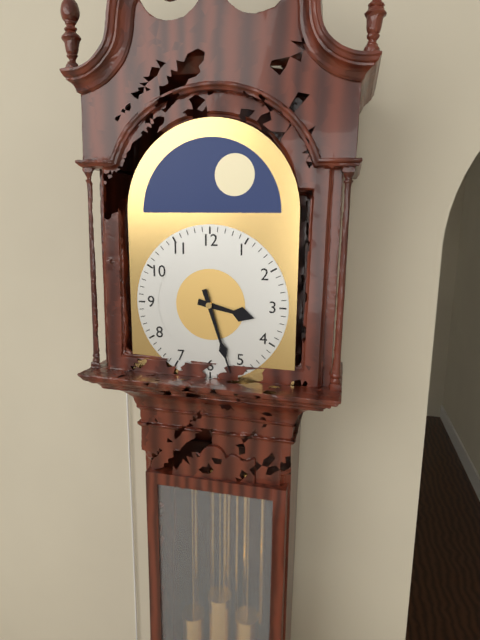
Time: h=3 m=27
